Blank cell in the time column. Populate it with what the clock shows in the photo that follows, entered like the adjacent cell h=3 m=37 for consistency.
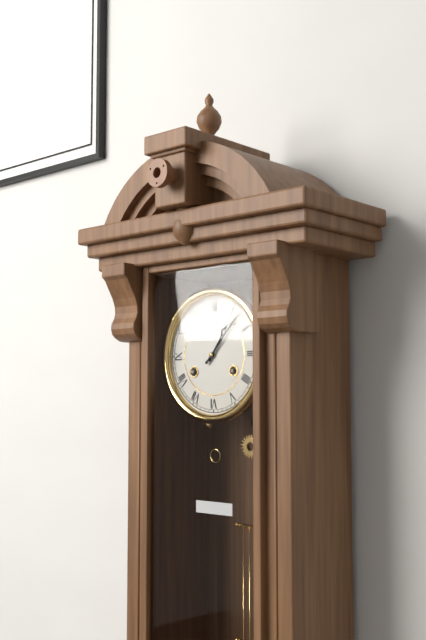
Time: h=1 m=7
